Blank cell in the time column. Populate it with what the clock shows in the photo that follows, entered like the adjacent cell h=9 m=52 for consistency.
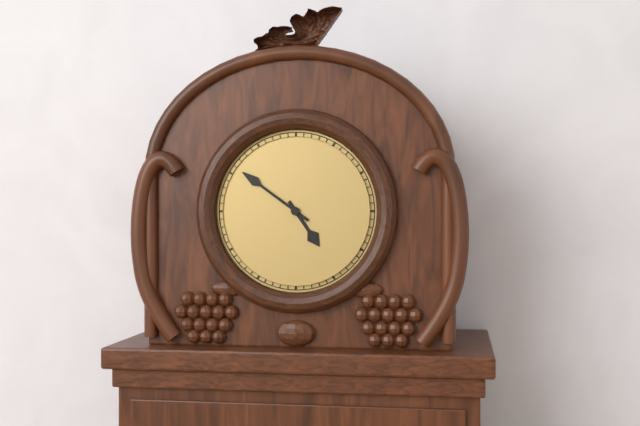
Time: h=4 m=51
